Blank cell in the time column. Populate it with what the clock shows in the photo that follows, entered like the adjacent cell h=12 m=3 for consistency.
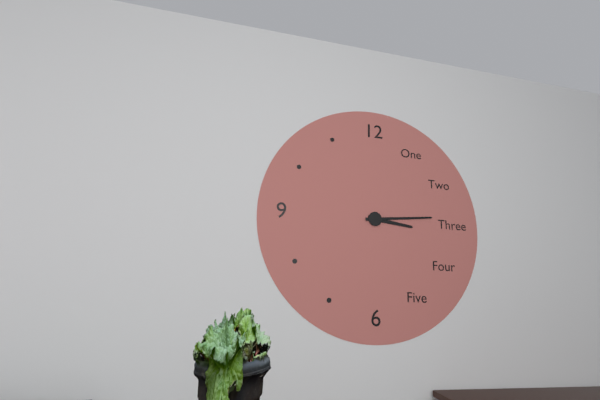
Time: h=3 m=14
